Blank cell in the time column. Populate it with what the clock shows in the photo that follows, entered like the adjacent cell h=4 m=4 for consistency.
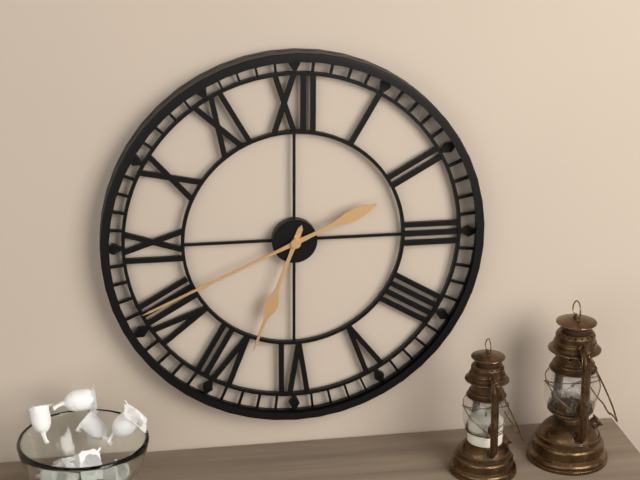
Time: h=6 m=41
